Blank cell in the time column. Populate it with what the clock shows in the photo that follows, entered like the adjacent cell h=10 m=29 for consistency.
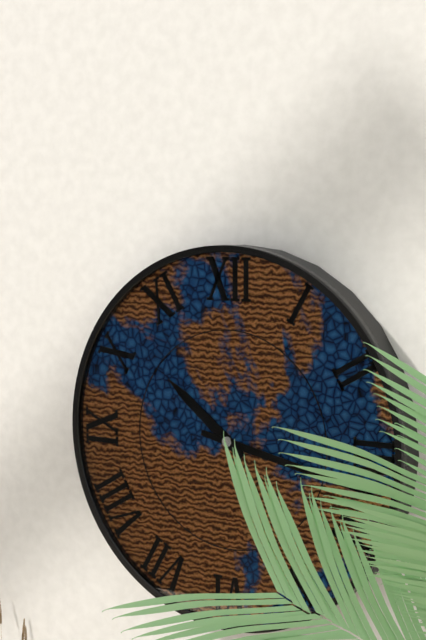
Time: h=10 m=17
